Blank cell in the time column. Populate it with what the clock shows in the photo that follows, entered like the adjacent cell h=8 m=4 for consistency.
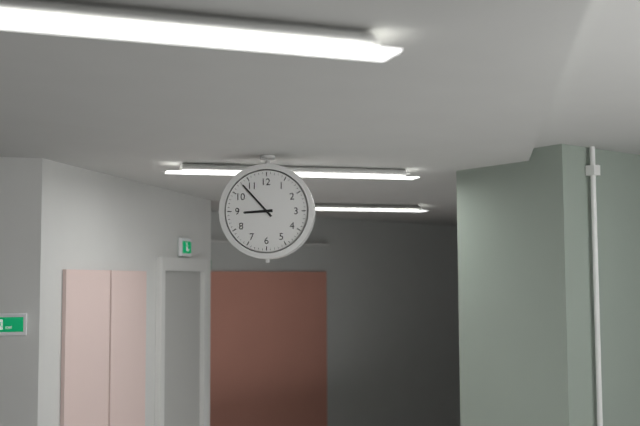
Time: h=8 m=53
